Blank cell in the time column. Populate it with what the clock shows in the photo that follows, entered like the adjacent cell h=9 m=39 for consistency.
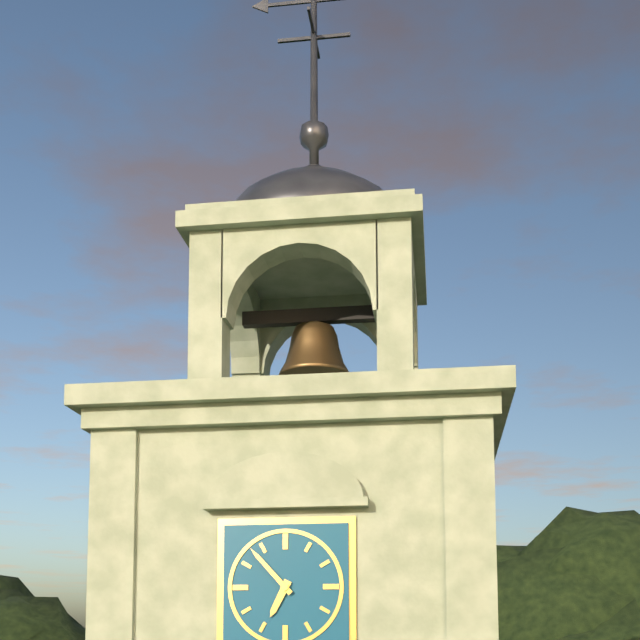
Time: h=6 m=53
